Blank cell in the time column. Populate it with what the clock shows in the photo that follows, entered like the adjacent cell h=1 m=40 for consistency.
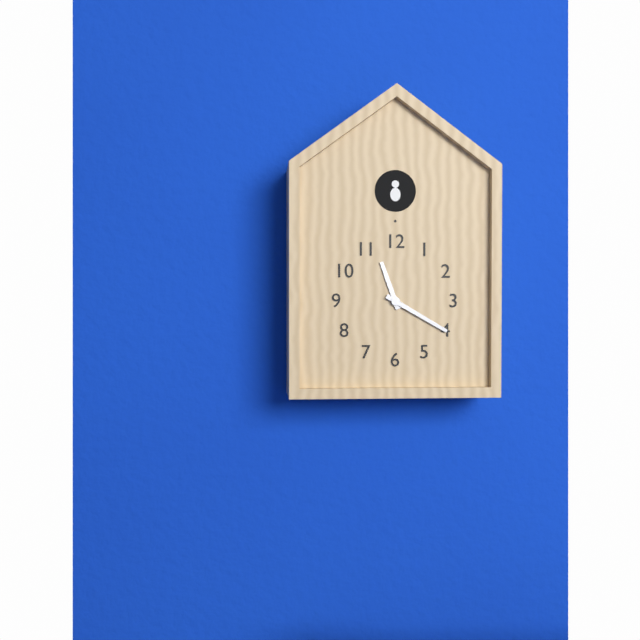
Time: h=11 m=20
